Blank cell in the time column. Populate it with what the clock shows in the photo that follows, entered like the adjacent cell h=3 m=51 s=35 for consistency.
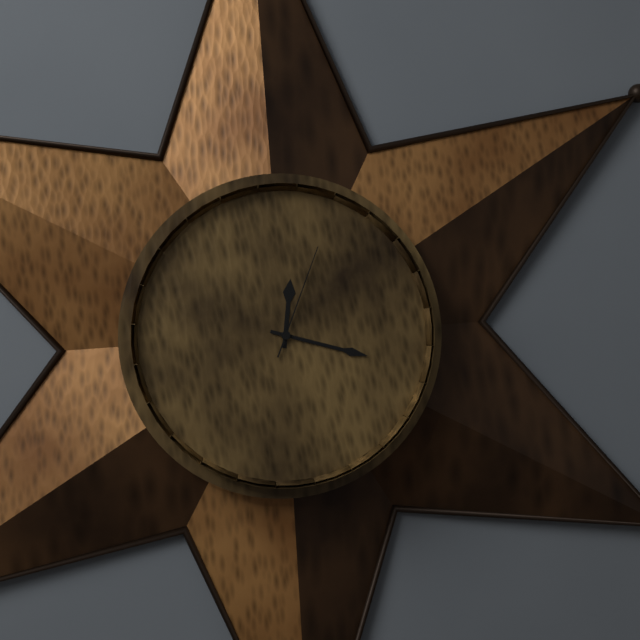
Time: h=12 m=18 s=4
